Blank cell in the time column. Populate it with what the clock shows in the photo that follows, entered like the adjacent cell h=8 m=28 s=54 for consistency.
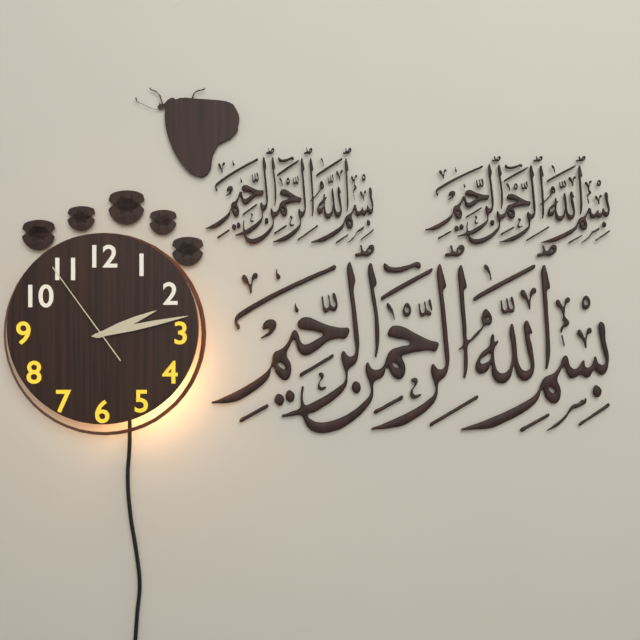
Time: h=2 m=13 s=54
